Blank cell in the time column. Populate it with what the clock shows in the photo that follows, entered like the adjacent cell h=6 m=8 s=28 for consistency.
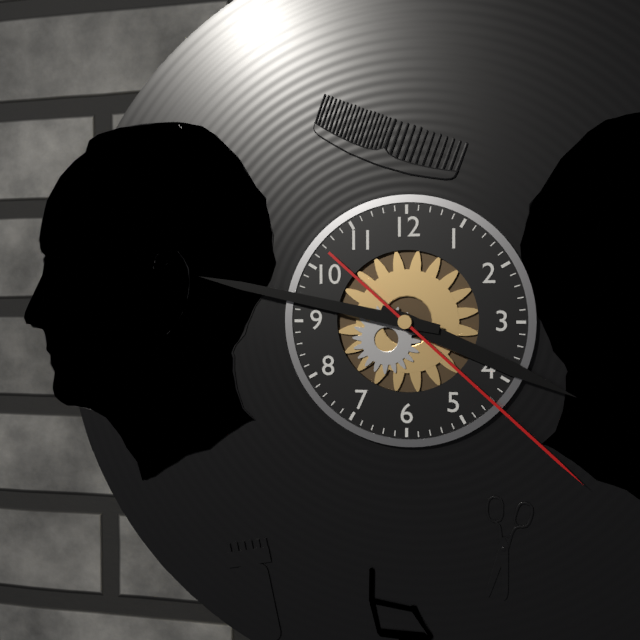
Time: h=3 m=47 s=22
